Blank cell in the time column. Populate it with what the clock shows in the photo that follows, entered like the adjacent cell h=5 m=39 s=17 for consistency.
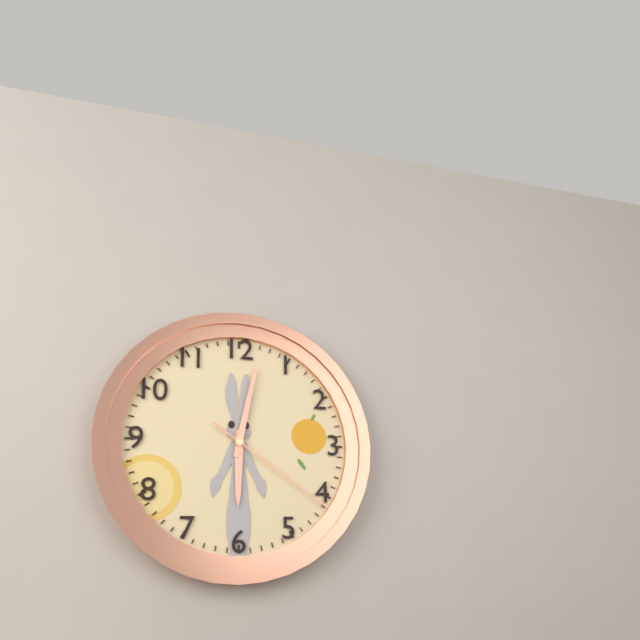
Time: h=6 m=2 s=21
